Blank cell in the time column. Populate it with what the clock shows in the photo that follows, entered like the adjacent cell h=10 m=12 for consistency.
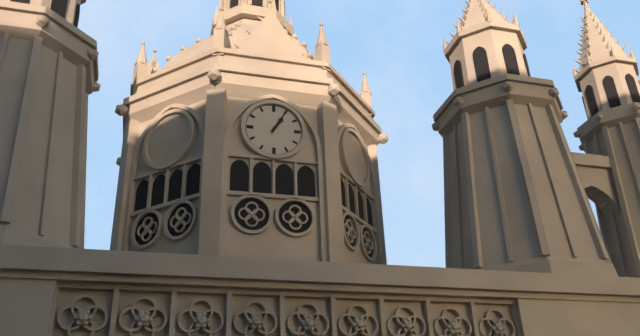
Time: h=1 m=5
